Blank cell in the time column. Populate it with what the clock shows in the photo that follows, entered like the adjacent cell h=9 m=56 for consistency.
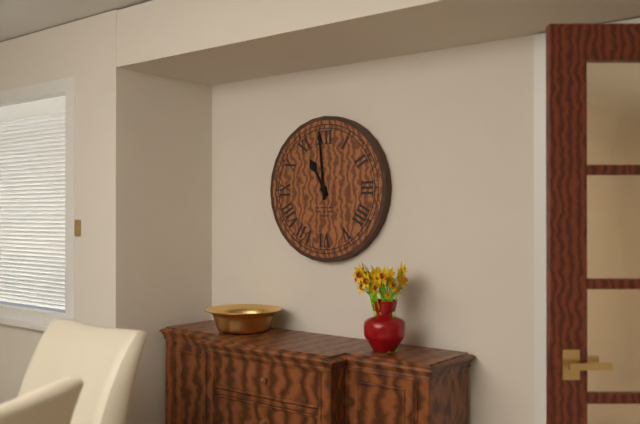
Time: h=10 m=59
